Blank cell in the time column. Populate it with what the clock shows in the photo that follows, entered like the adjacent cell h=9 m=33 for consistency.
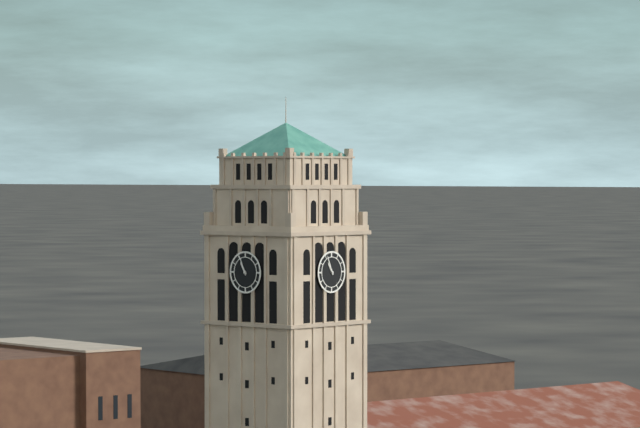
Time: h=10 m=56
